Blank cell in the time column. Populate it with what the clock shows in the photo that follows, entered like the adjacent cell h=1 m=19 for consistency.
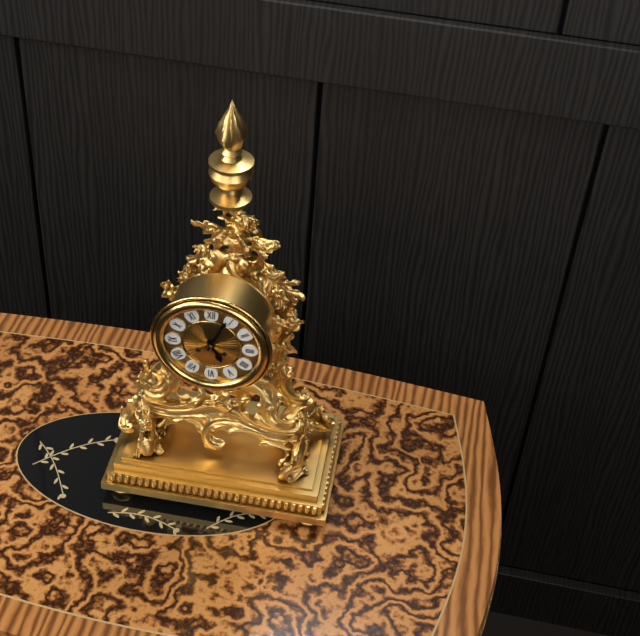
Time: h=5 m=4
